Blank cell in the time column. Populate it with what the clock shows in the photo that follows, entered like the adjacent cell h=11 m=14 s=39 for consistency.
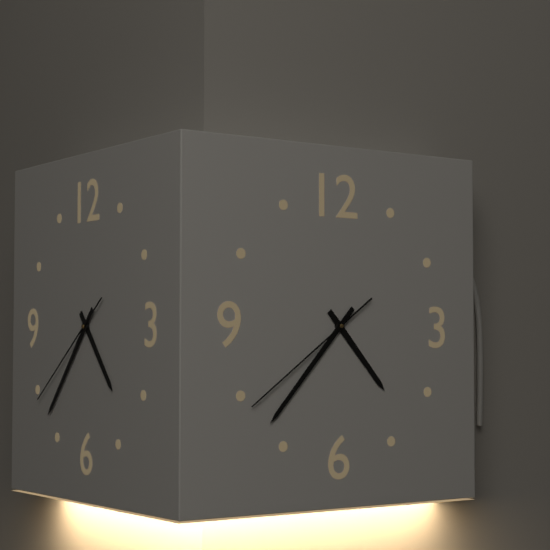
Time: h=4 m=37 s=39
